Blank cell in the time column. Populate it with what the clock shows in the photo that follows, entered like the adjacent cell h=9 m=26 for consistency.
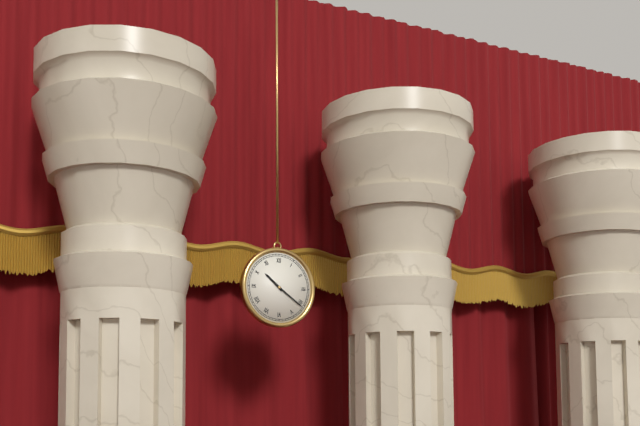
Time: h=10 m=21
